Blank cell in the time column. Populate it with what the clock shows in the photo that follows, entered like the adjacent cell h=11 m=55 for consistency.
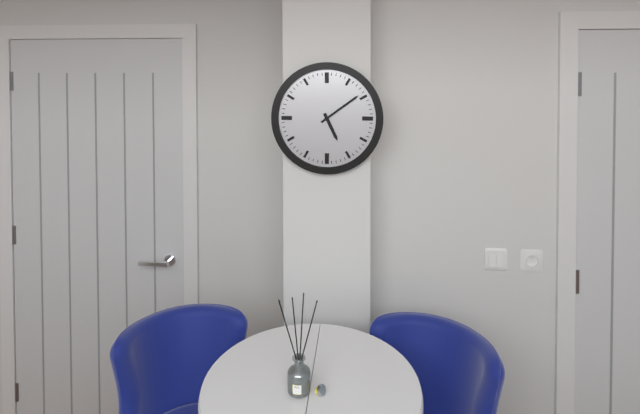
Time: h=5 m=9
